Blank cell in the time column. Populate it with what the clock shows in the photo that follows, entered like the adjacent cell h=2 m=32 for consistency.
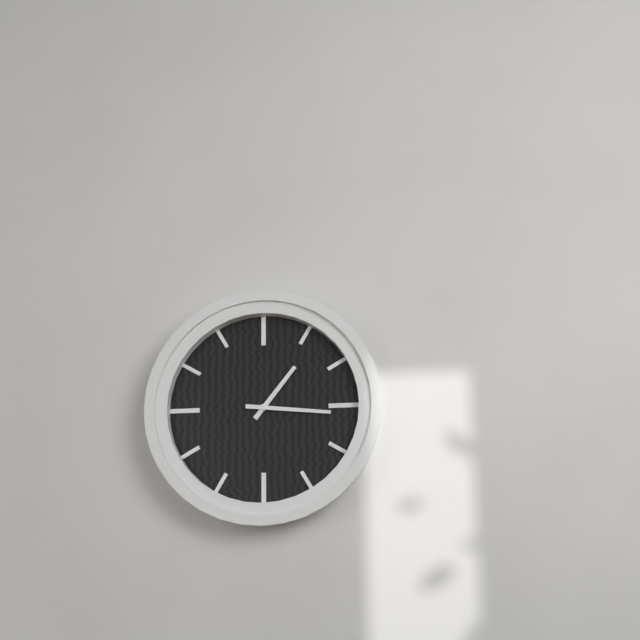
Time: h=1 m=16
